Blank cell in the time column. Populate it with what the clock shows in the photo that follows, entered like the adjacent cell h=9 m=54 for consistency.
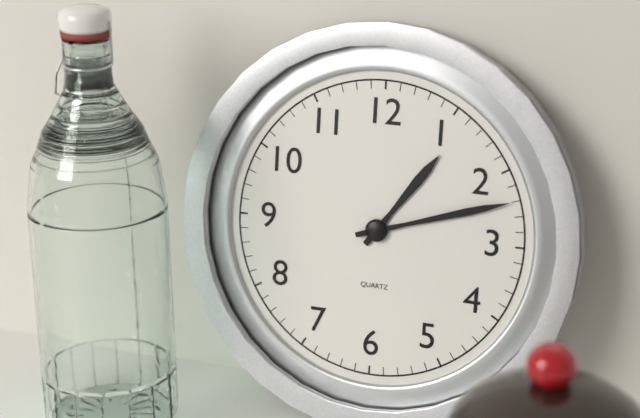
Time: h=1 m=12
